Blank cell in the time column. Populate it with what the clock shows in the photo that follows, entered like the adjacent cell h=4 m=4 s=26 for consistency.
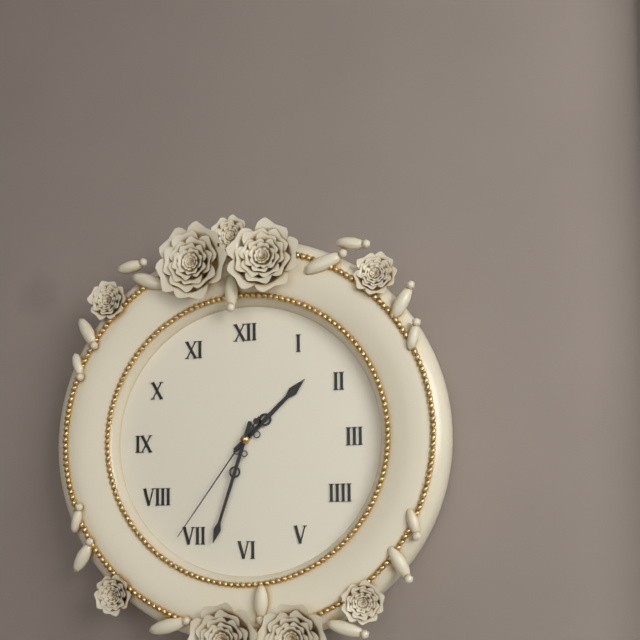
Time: h=1 m=33 s=36
